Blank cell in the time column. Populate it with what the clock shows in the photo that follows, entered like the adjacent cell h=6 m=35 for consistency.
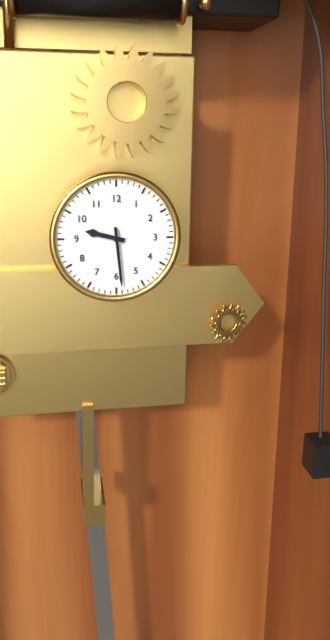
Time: h=9 m=29
